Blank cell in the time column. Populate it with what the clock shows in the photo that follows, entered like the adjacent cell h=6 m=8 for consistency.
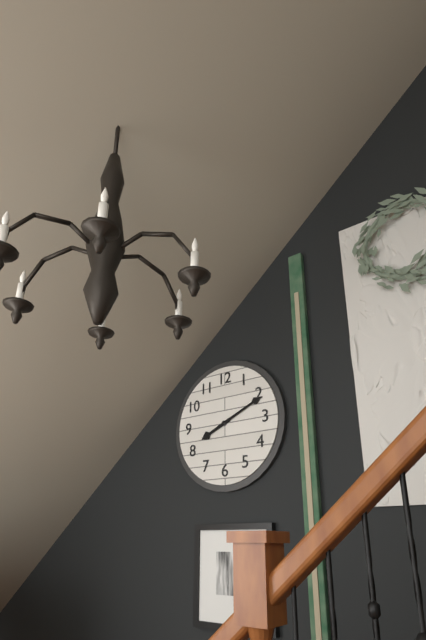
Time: h=8 m=11
